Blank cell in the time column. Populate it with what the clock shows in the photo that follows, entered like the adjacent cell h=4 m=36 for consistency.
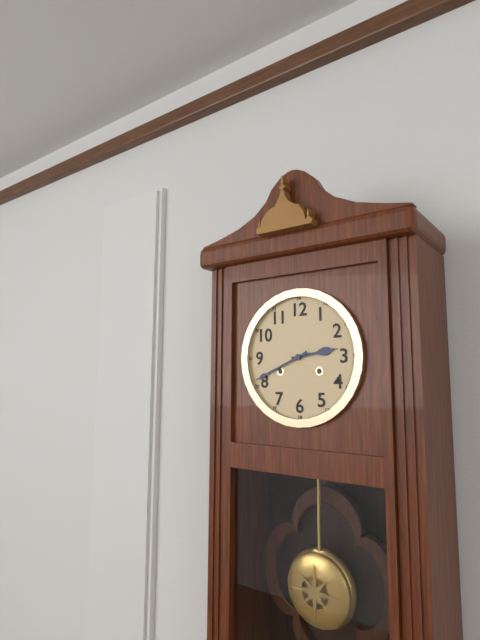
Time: h=2 m=41
